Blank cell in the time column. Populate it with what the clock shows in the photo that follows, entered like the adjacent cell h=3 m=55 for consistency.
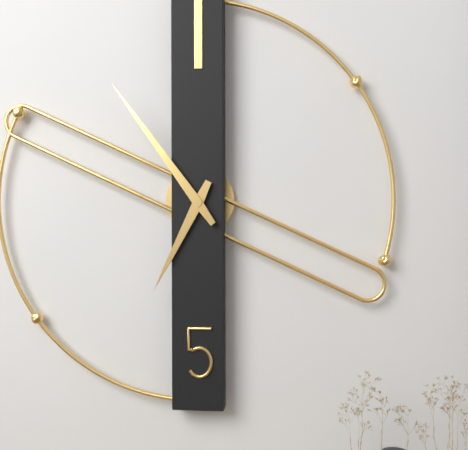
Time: h=6 m=54
